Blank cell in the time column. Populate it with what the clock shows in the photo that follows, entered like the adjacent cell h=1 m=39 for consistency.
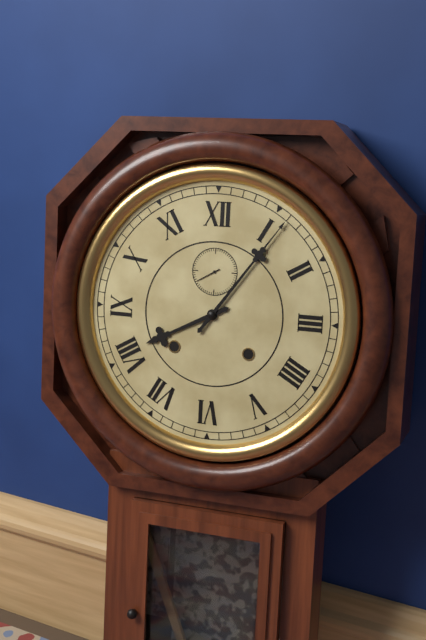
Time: h=8 m=6
